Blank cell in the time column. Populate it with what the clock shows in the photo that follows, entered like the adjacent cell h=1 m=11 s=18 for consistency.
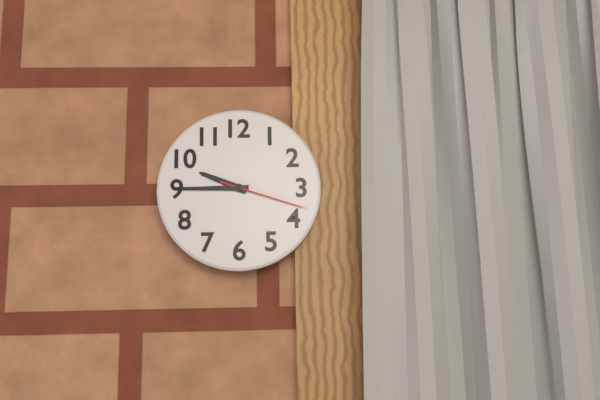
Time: h=9 m=45 s=18
